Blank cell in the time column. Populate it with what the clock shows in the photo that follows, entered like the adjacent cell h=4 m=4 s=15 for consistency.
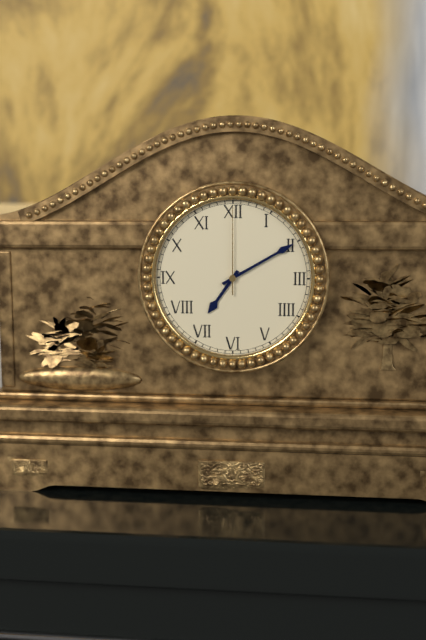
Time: h=7 m=10 s=0
